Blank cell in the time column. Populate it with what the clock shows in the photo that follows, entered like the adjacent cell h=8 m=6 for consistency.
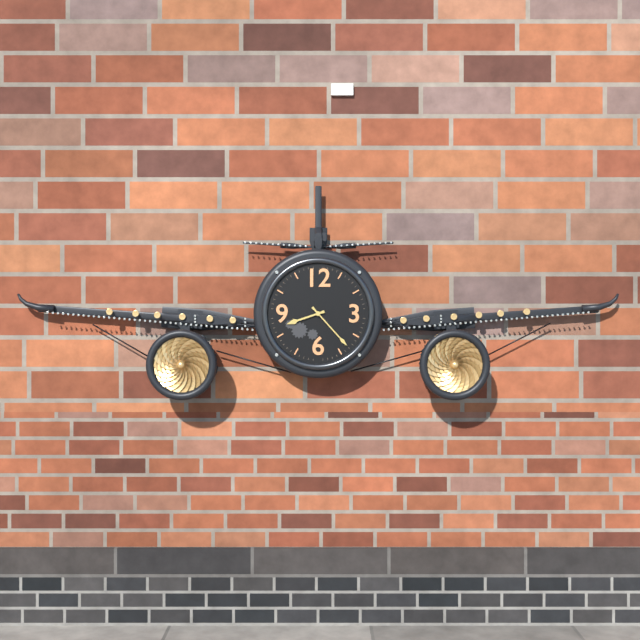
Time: h=8 m=23
